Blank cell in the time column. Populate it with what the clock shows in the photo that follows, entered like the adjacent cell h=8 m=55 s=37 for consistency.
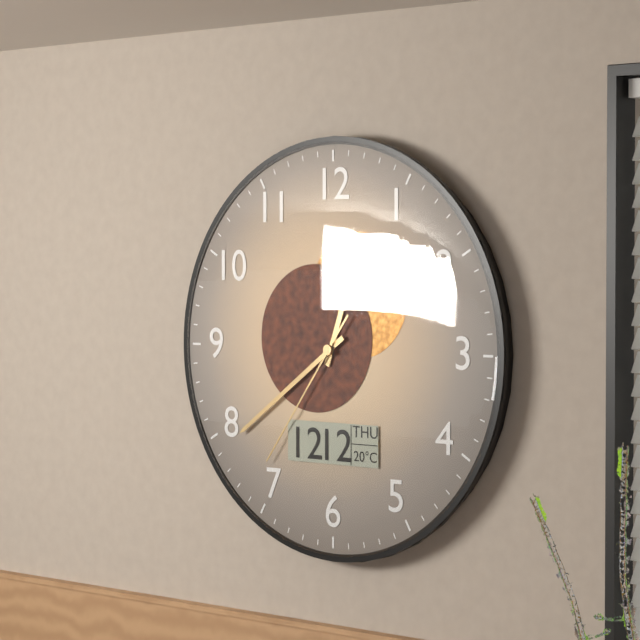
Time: h=12 m=39 s=36
